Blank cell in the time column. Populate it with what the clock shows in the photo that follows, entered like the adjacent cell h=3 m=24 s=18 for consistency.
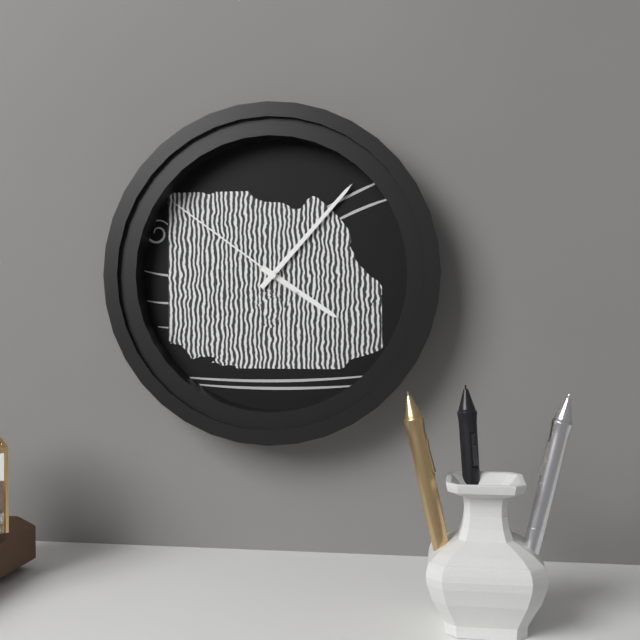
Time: h=4 m=7 s=51
